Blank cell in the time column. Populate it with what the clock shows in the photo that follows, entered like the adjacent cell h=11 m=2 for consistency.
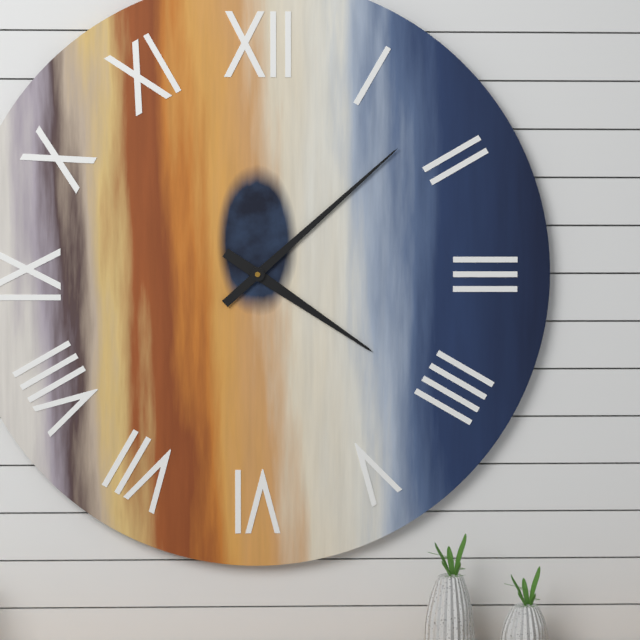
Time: h=4 m=8
